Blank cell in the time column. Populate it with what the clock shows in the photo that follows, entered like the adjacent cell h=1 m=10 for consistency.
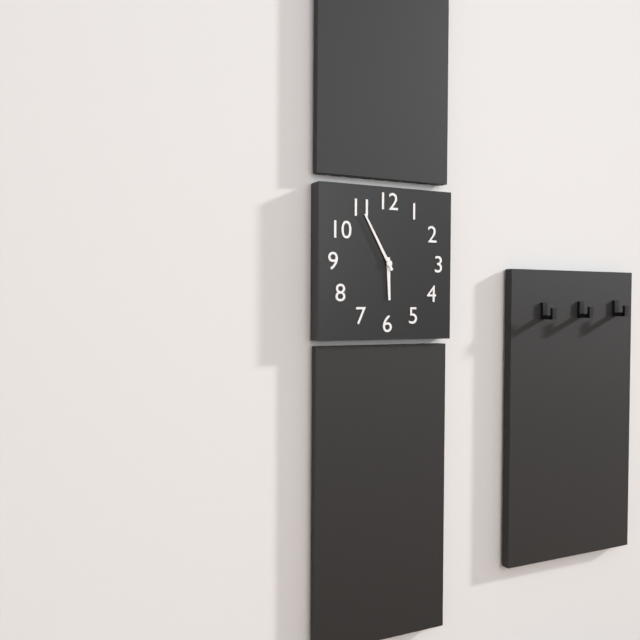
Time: h=5 m=55
